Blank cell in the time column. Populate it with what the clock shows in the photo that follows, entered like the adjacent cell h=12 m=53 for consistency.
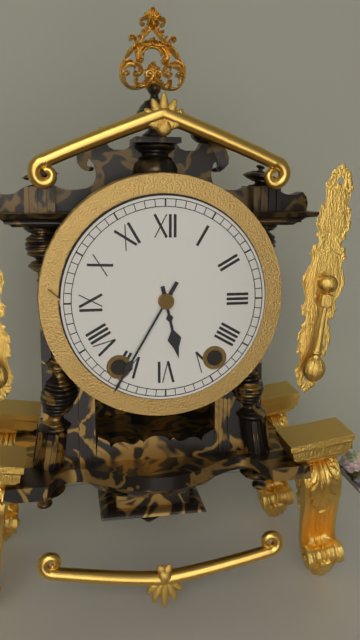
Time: h=5 m=35
